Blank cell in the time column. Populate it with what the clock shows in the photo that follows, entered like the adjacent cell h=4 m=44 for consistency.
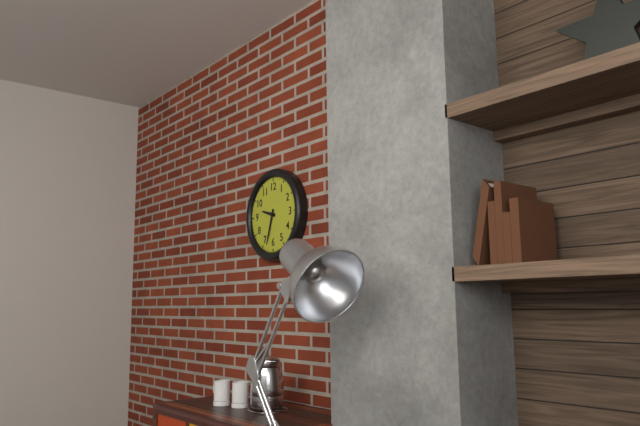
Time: h=9 m=33
